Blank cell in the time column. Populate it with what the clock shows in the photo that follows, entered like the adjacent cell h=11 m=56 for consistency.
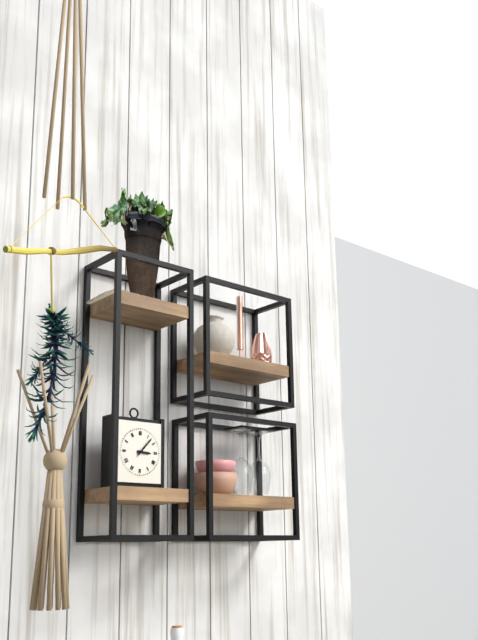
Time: h=3 m=7
